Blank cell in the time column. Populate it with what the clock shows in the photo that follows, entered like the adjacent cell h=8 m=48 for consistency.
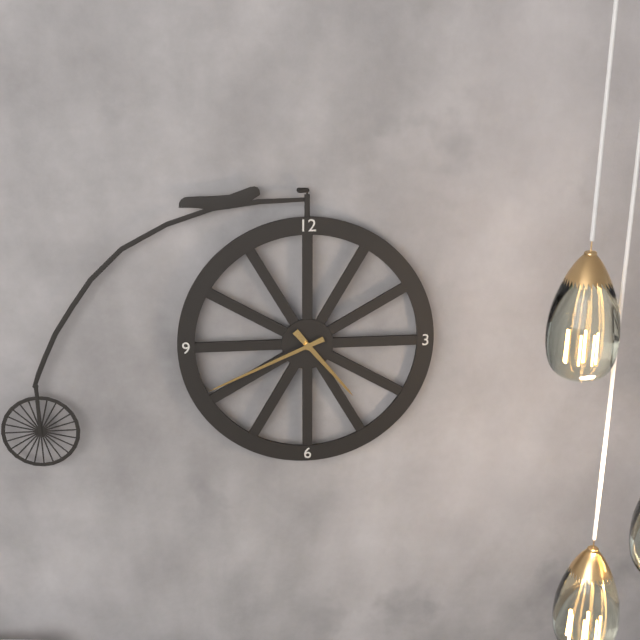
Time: h=4 m=41
